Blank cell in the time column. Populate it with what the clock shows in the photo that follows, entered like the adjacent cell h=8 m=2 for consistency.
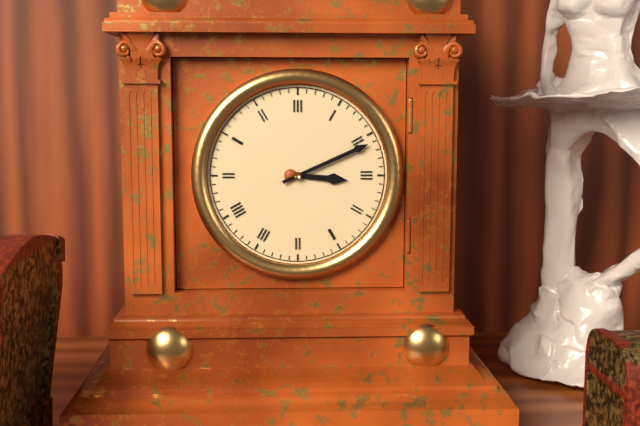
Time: h=3 m=11
